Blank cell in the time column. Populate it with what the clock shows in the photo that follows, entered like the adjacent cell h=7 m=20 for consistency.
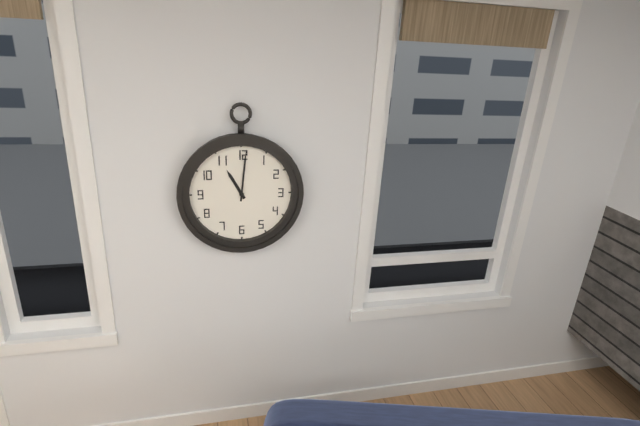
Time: h=11 m=1
